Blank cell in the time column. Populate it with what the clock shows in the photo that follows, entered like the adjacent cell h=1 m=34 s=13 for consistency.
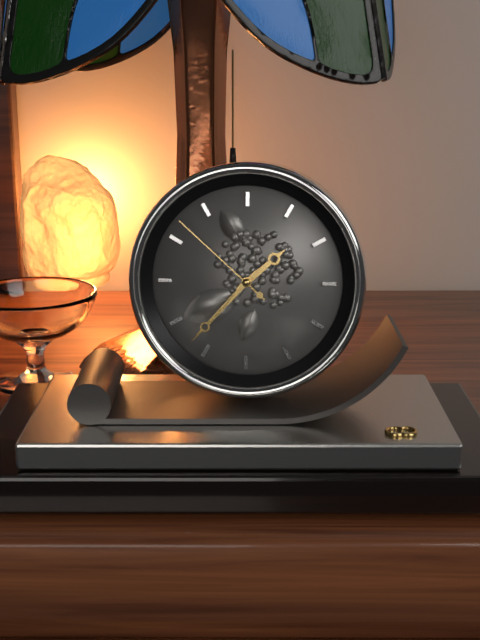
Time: h=1 m=37 s=52
